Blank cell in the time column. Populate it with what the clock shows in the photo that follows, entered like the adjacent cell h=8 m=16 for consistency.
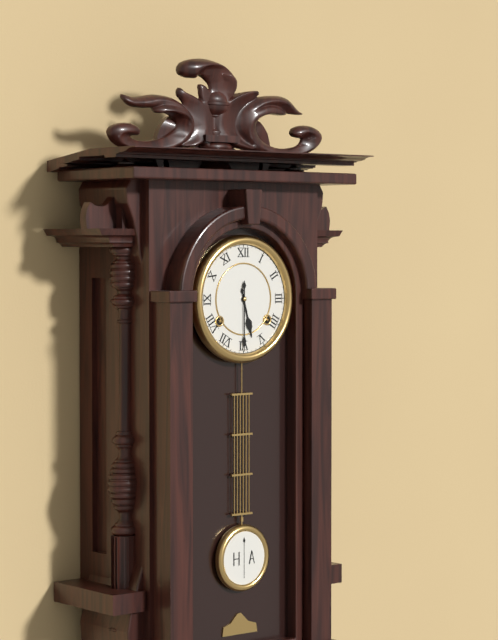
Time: h=5 m=30
